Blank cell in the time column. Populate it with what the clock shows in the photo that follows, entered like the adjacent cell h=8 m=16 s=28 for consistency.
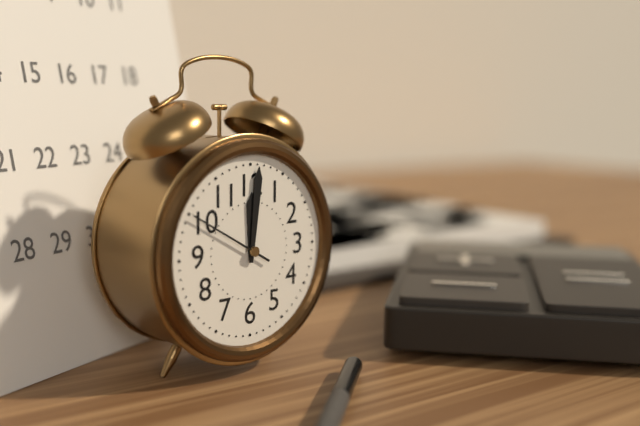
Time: h=12 m=1 s=50
